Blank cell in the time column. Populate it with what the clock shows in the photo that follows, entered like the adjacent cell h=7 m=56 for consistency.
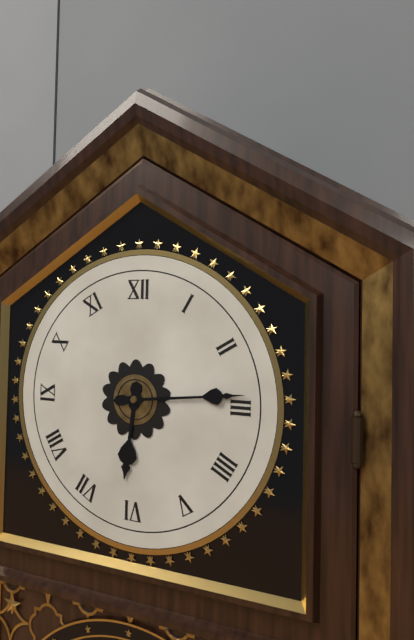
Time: h=6 m=14
